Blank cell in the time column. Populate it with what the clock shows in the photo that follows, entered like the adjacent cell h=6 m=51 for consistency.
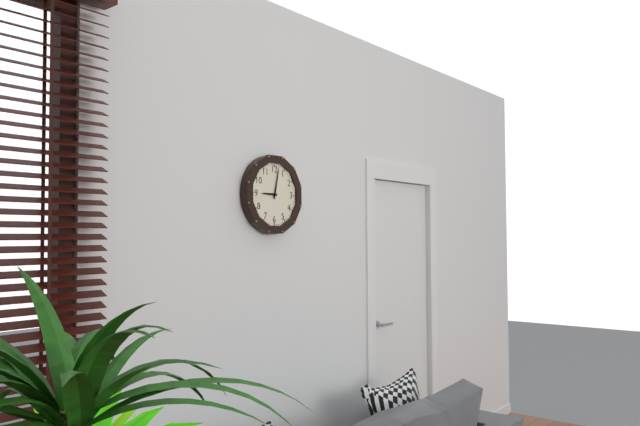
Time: h=9 m=2
